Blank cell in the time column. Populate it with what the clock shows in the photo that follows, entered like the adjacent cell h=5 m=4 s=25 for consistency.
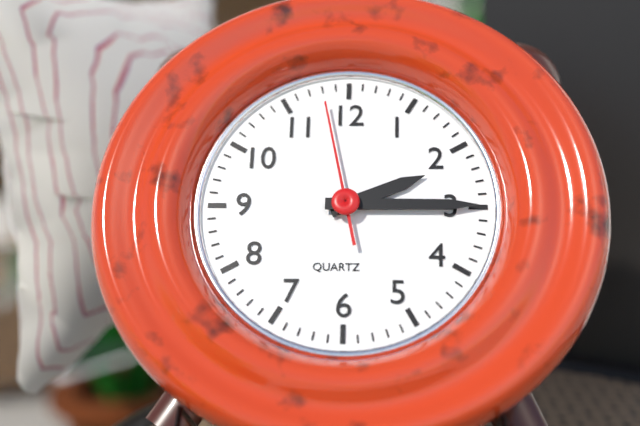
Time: h=2 m=15 s=58
